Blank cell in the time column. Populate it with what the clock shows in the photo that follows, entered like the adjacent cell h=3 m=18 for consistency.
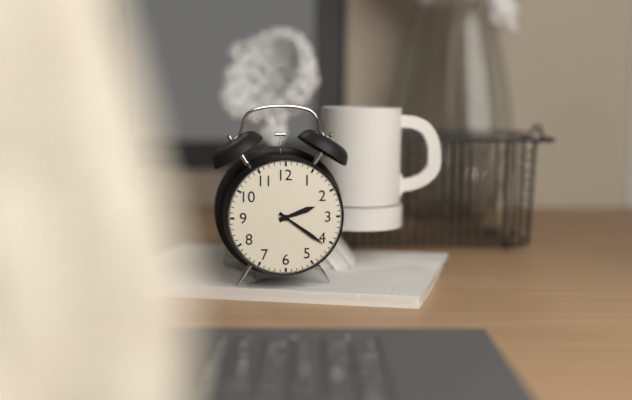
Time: h=2 m=21
